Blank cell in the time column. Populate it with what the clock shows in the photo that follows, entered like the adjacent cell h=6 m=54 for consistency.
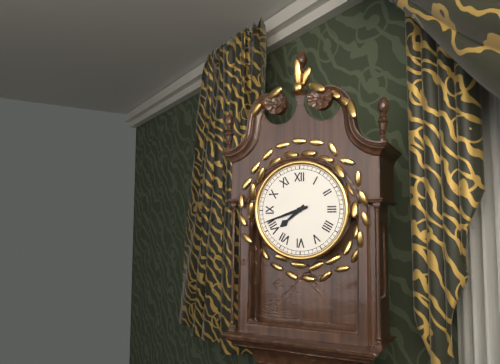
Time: h=7 m=42
